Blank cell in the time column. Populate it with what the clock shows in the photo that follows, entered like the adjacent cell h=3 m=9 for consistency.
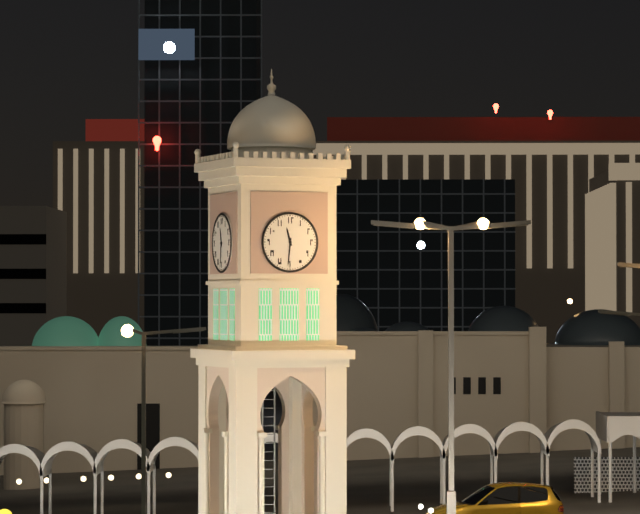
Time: h=11 m=31
